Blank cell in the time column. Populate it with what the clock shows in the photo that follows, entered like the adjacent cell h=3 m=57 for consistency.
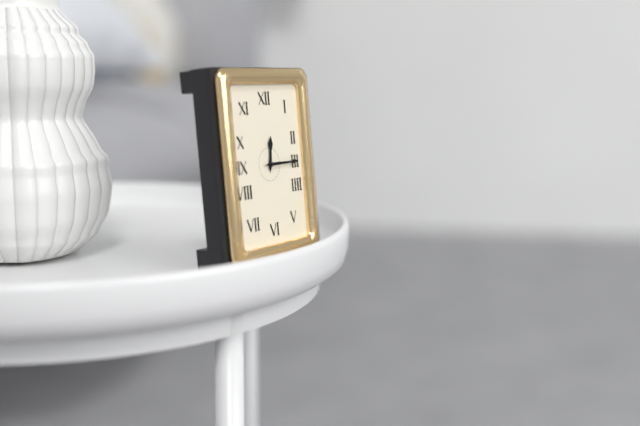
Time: h=12 m=15
